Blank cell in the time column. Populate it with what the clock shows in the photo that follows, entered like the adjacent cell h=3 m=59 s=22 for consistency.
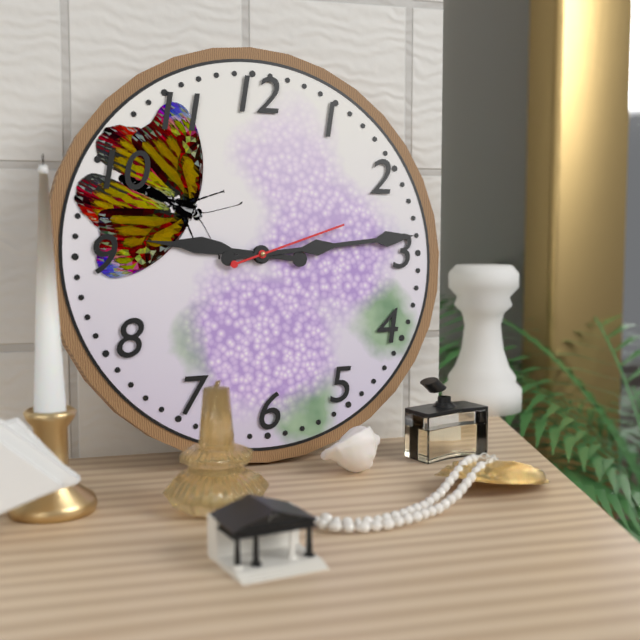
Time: h=9 m=14 s=12
